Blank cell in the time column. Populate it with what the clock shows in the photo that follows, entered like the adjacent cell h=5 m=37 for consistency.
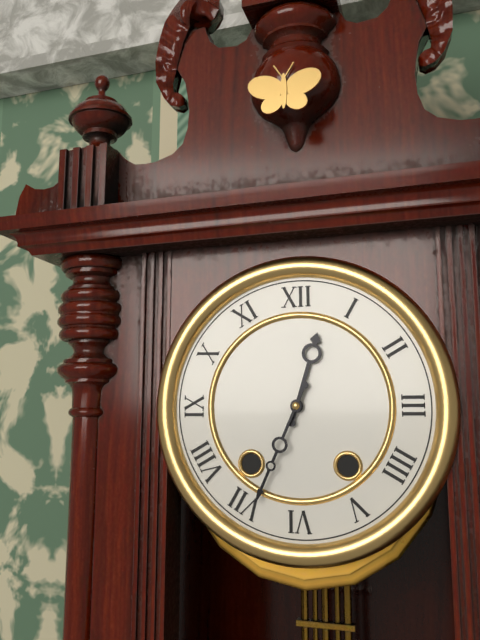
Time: h=12 m=34
